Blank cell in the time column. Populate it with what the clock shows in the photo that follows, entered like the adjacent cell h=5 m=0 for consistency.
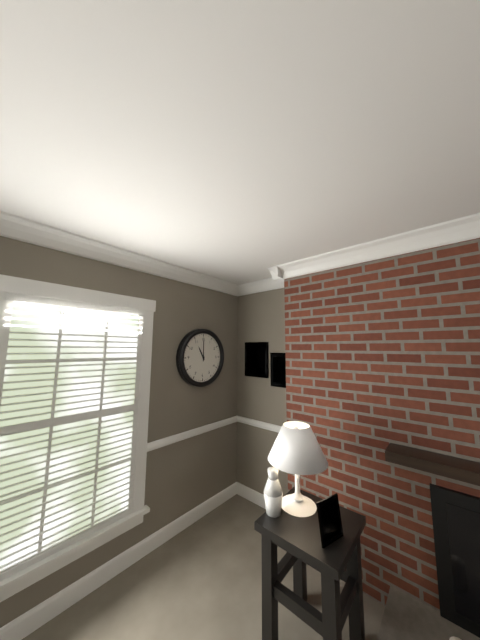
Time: h=11 m=0
